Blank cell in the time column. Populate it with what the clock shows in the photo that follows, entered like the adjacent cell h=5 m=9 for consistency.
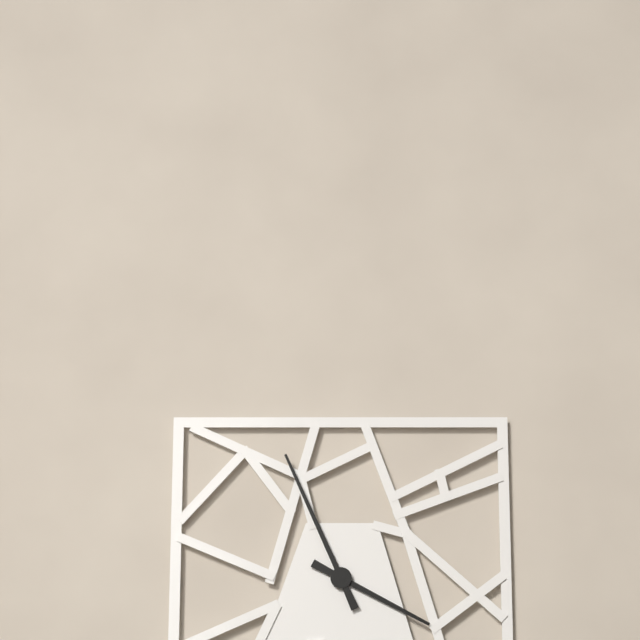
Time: h=3 m=56
